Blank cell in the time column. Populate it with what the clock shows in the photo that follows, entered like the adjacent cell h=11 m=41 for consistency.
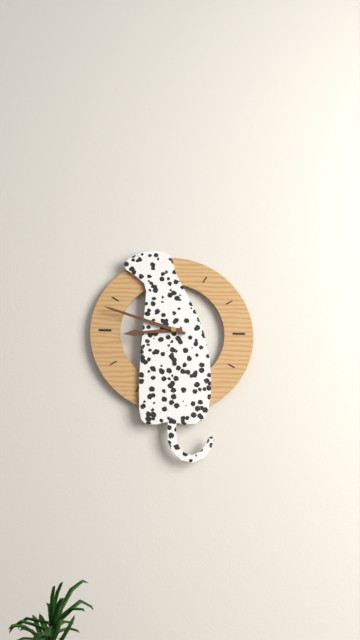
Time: h=8 m=48
